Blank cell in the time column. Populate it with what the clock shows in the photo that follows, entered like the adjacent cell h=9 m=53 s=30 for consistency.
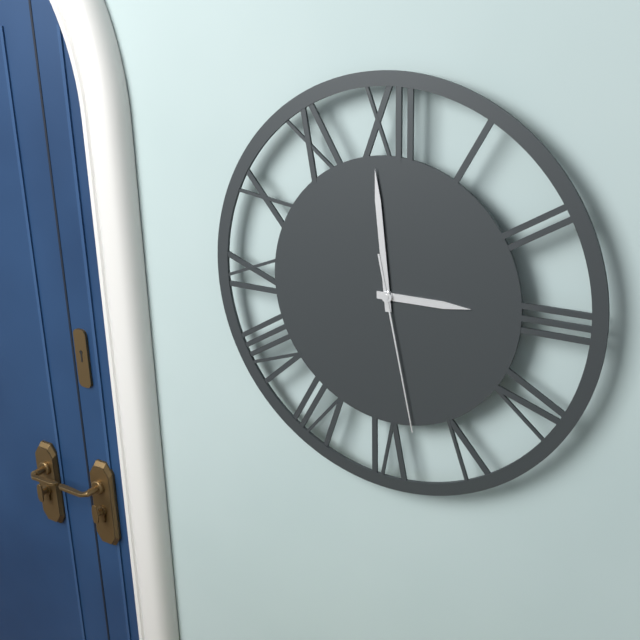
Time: h=2 m=59 s=28
